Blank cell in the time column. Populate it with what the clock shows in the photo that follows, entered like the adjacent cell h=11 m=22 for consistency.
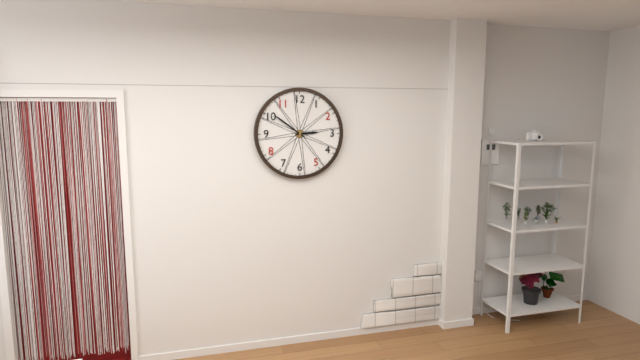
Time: h=2 m=51
